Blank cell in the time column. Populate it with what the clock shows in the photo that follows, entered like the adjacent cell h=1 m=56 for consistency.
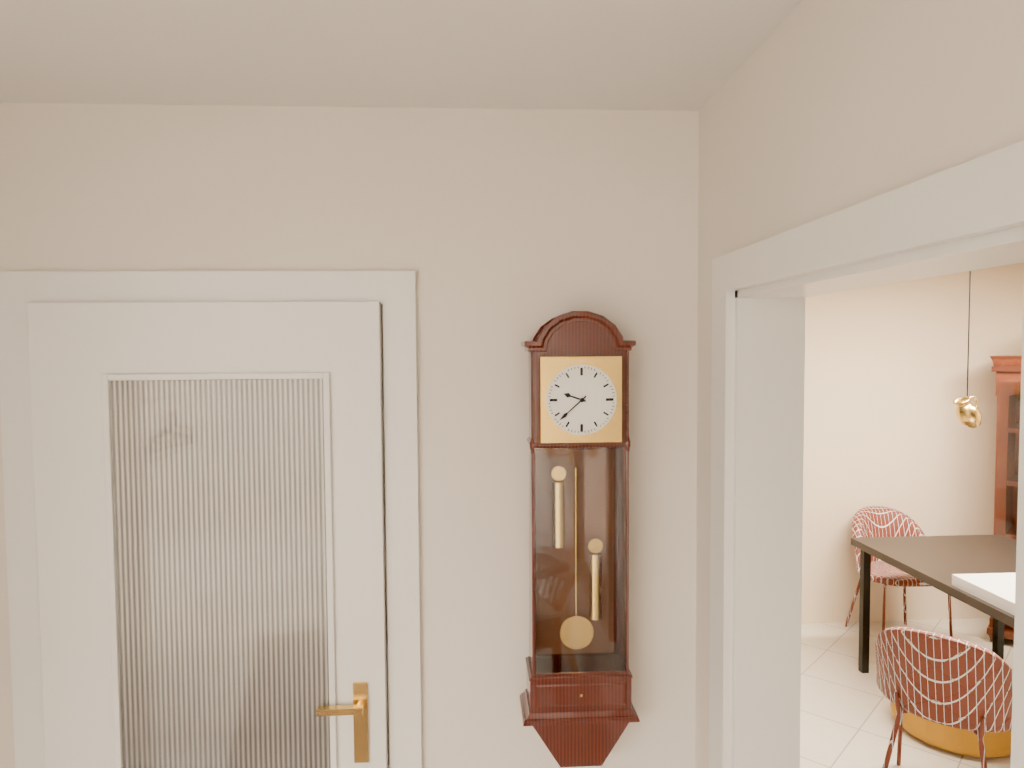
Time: h=9 m=38
